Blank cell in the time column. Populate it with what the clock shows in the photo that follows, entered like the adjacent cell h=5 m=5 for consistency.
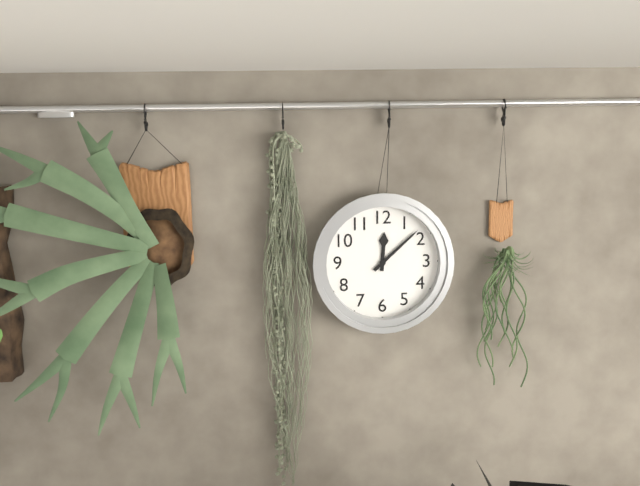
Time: h=12 m=8
